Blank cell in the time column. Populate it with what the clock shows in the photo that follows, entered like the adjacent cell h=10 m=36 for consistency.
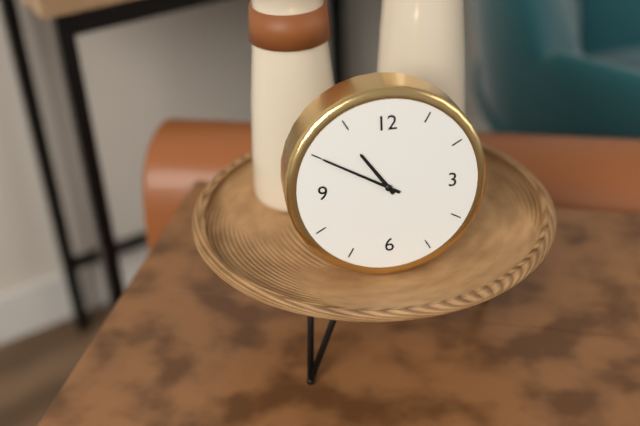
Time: h=10 m=50
